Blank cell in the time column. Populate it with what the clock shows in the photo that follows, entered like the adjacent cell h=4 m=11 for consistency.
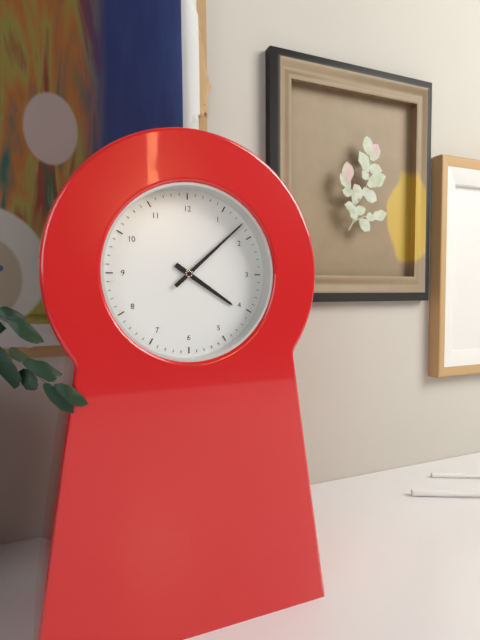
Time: h=4 m=8
